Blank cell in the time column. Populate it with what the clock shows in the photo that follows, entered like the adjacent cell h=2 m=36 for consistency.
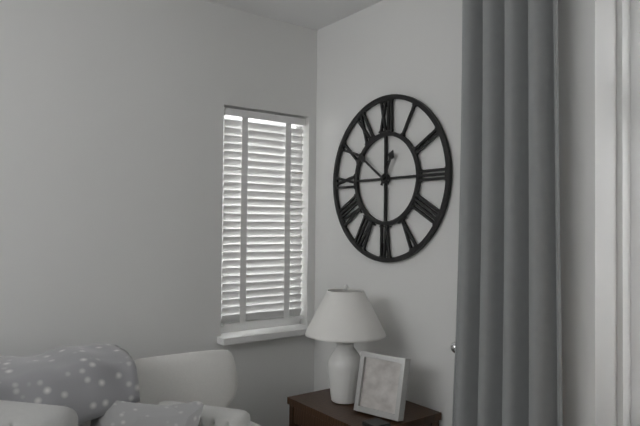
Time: h=12 m=51
